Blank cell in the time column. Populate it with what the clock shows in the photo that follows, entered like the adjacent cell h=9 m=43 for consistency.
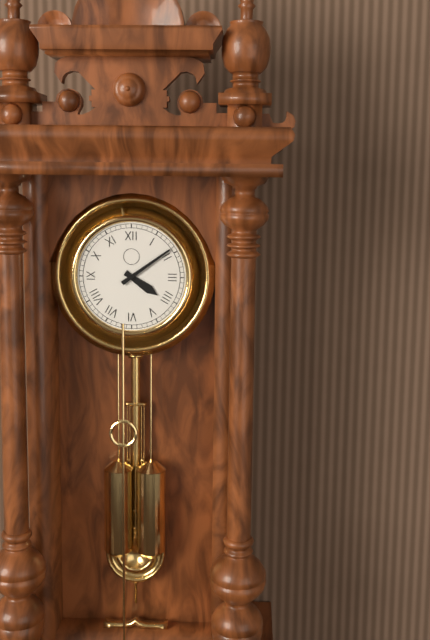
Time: h=4 m=9
